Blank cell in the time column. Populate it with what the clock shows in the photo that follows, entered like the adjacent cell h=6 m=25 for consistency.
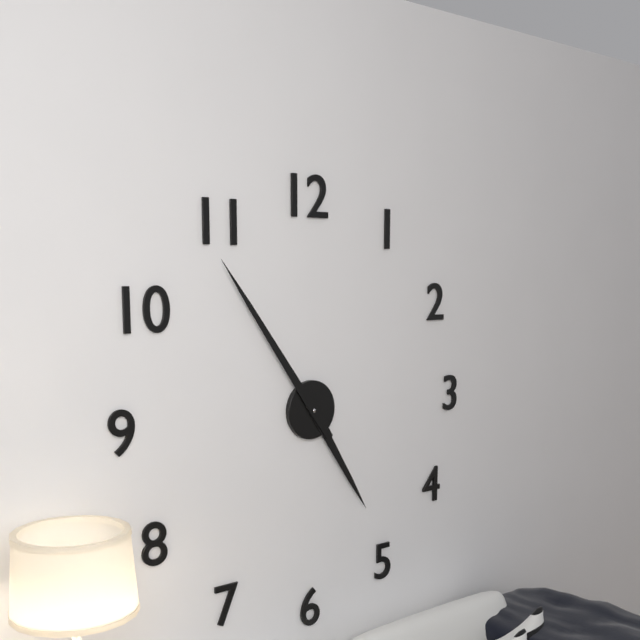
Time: h=4 m=54
